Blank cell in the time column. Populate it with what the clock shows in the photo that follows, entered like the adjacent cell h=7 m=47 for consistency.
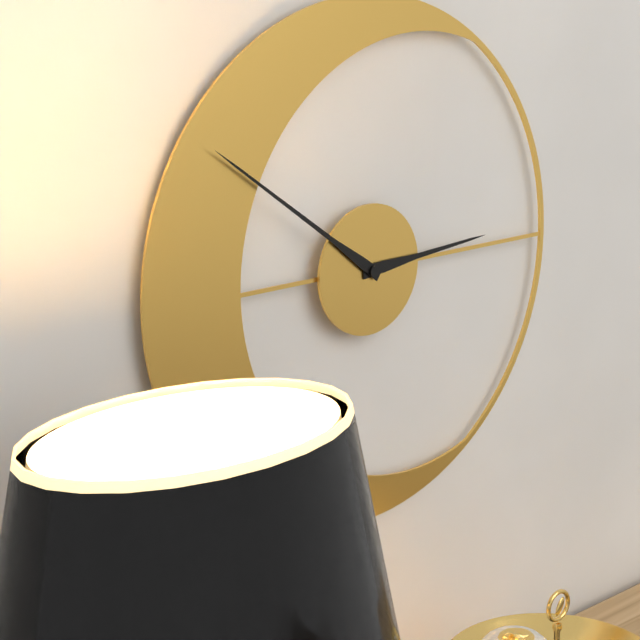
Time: h=2 m=51
